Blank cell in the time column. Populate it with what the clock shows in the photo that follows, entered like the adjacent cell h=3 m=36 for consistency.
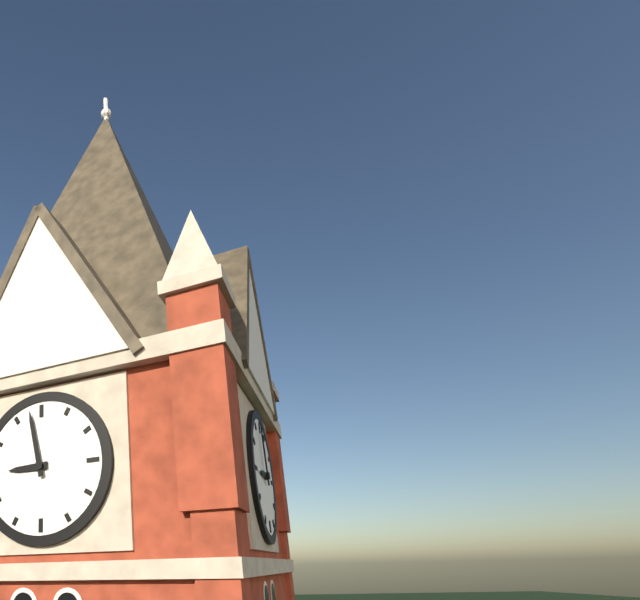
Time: h=8 m=58
